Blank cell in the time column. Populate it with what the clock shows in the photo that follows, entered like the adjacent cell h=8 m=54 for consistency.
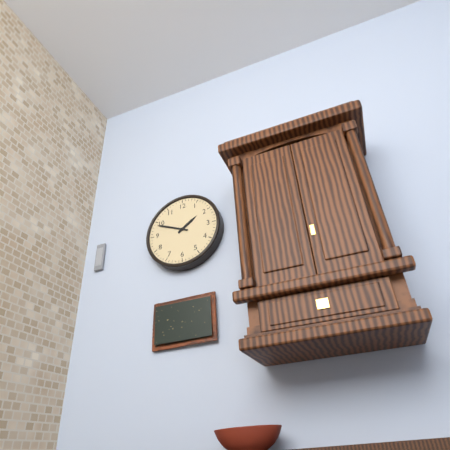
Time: h=1 m=49
